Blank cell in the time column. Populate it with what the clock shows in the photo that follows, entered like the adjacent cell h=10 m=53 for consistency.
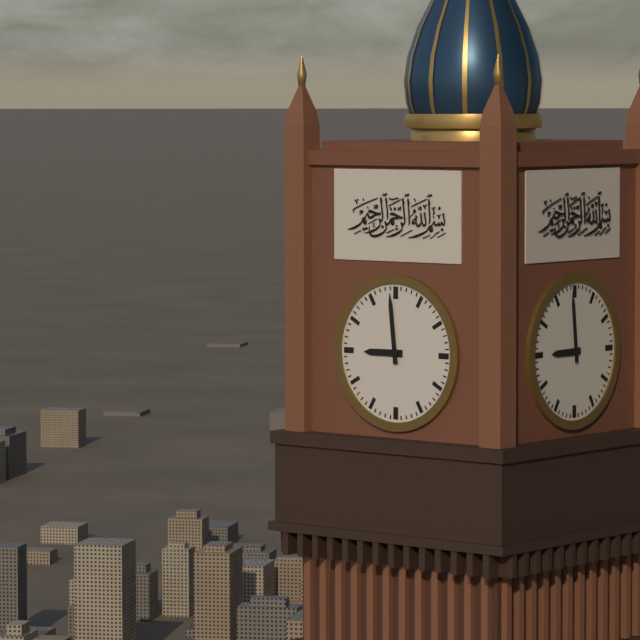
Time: h=8 m=59
